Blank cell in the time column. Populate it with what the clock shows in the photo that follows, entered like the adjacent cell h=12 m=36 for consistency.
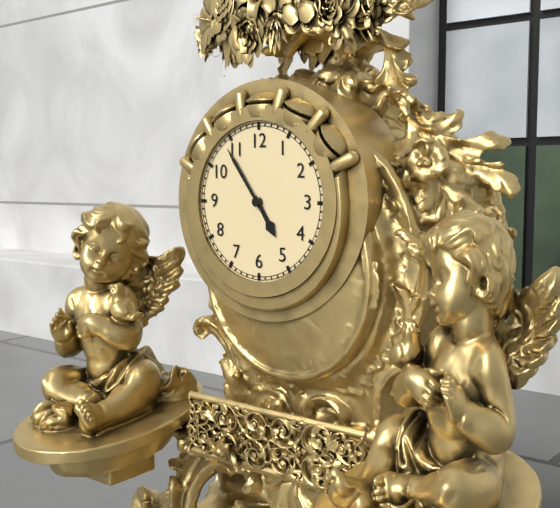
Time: h=4 m=54
